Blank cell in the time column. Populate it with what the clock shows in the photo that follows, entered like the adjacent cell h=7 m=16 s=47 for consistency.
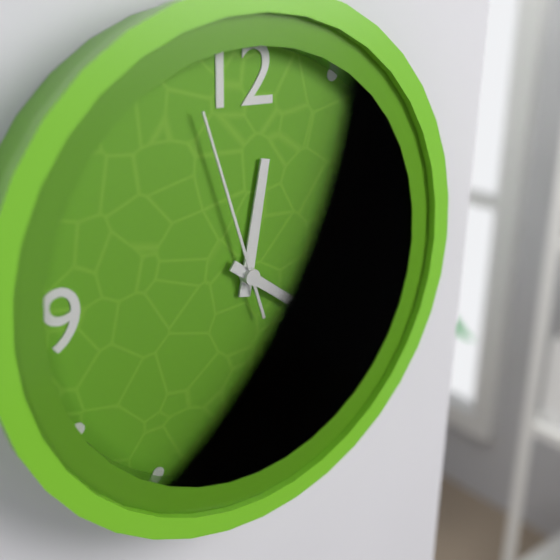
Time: h=12 m=21 s=57
